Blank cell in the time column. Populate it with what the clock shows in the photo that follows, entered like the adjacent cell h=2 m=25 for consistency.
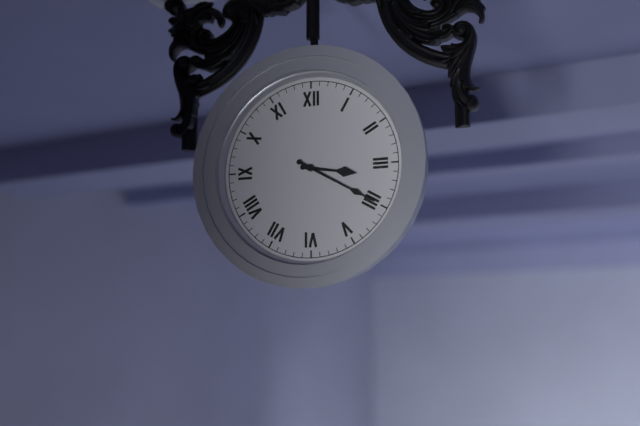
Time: h=3 m=20
